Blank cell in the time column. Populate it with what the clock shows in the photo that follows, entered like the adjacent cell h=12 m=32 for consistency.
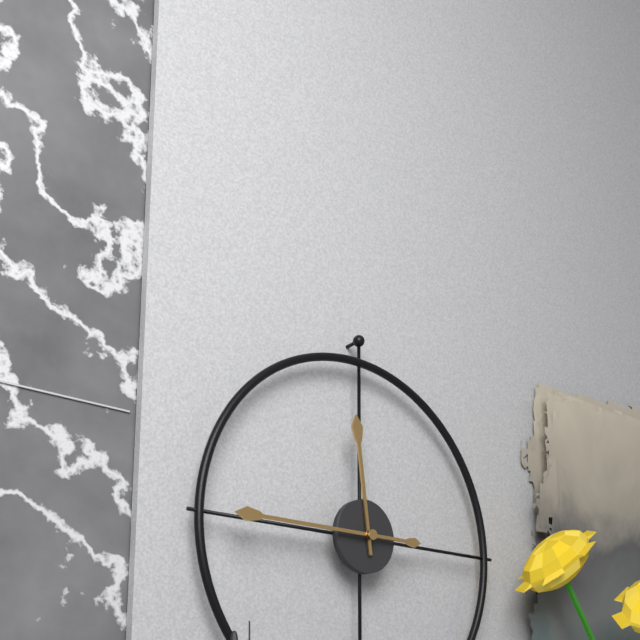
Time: h=11 m=45
